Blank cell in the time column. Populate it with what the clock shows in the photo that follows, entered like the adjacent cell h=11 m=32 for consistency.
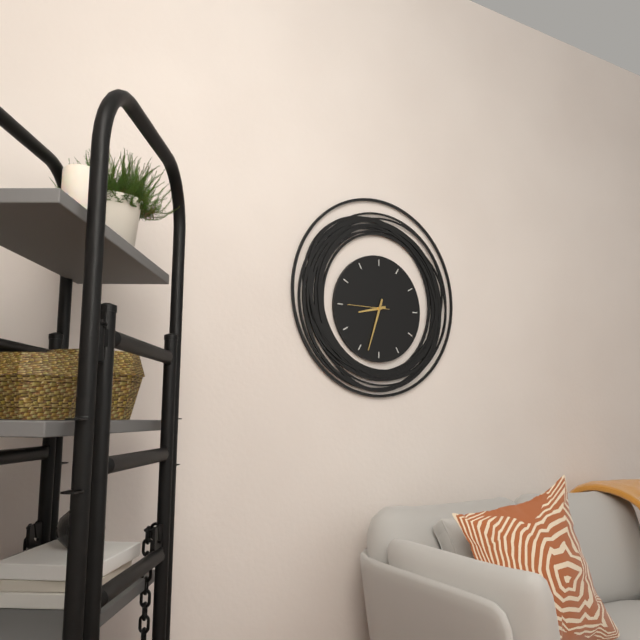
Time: h=8 m=33
